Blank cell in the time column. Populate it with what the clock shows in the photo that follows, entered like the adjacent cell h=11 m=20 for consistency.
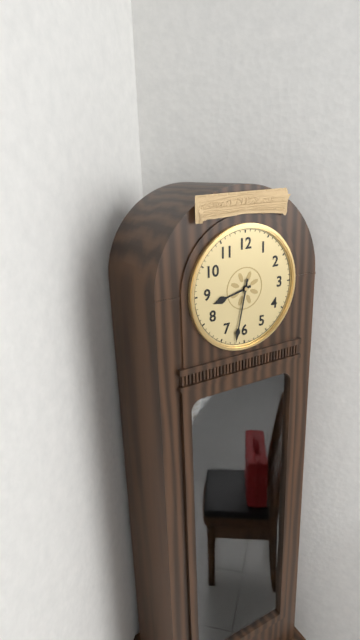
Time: h=8 m=32
